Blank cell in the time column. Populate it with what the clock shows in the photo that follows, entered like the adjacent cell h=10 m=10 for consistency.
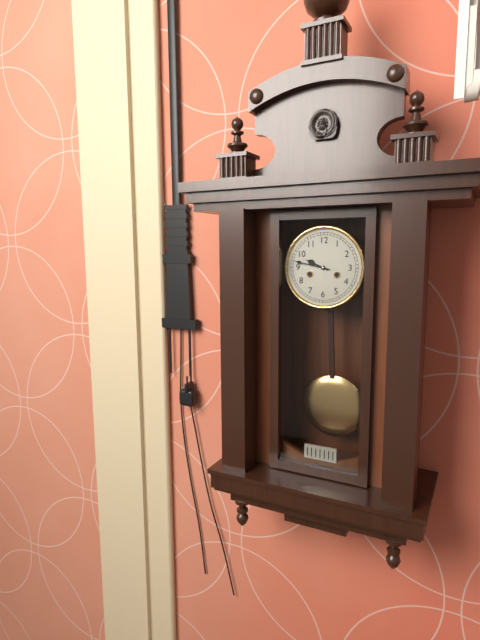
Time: h=9 m=47
